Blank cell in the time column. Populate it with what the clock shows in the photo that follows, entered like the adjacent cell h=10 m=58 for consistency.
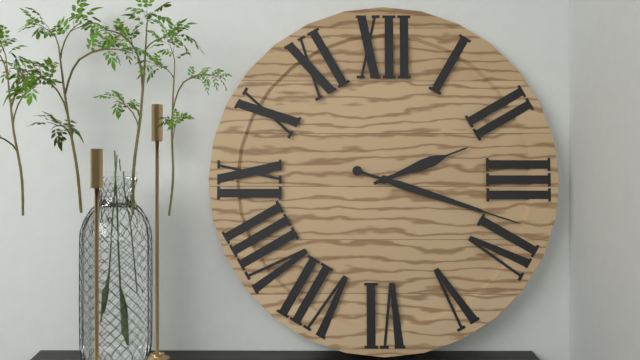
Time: h=2 m=18
